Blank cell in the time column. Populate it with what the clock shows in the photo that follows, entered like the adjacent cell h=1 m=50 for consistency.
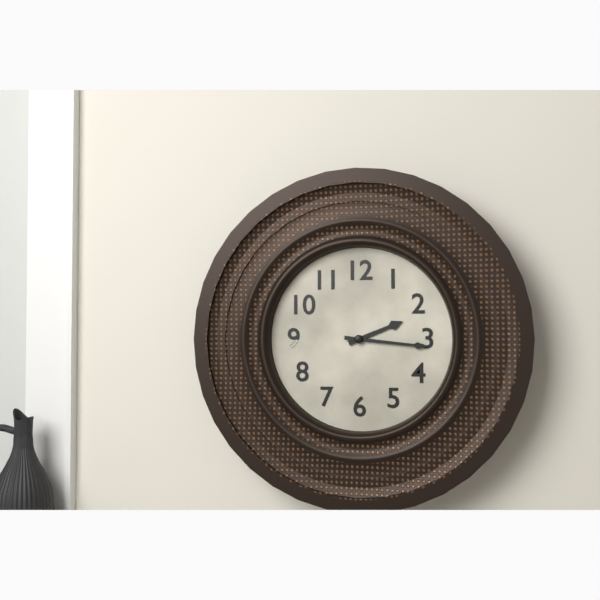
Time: h=2 m=16
